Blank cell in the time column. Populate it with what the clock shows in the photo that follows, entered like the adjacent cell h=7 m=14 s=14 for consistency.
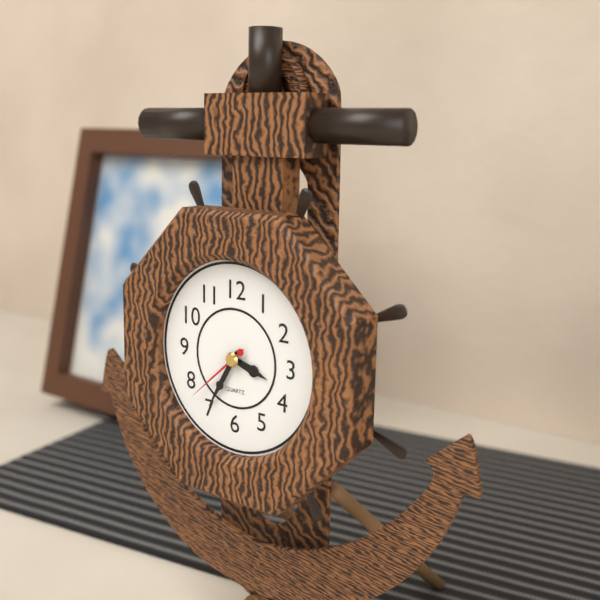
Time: h=3 m=35 s=38
